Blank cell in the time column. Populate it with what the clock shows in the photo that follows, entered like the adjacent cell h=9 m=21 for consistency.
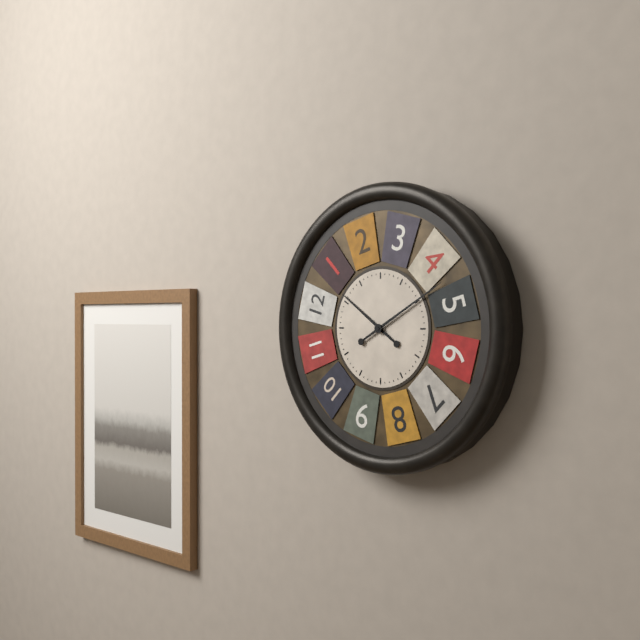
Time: h=10 m=10
